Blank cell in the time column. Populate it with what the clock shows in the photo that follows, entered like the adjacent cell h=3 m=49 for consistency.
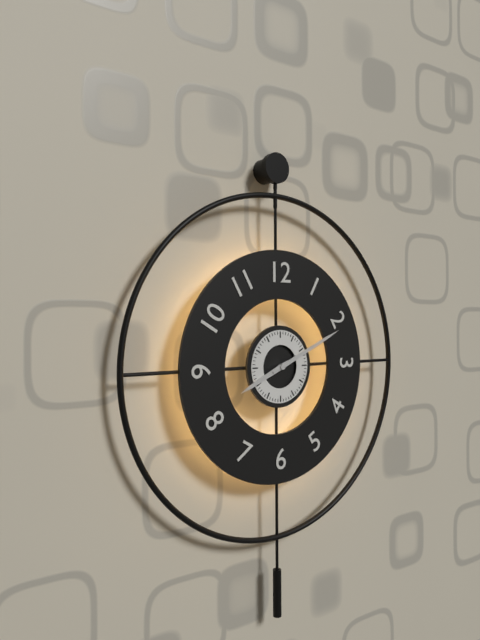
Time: h=8 m=11
